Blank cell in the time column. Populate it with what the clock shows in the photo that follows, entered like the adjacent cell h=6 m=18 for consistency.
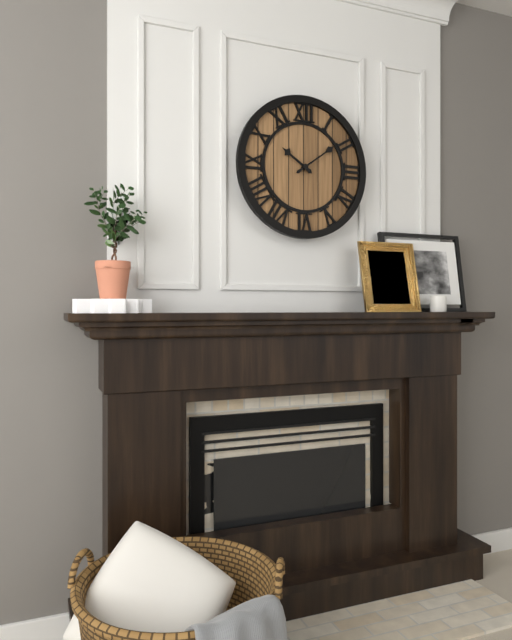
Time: h=10 m=9
